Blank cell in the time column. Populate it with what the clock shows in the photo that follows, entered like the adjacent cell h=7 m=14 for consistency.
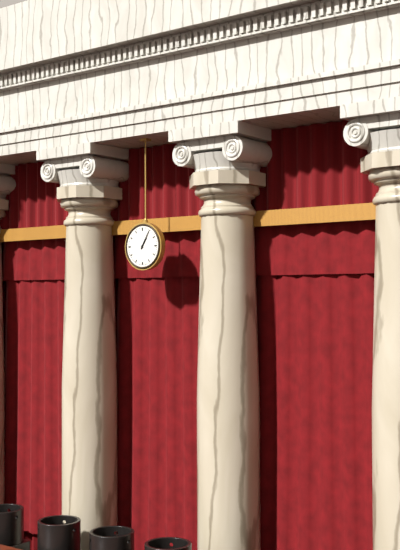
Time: h=1 m=5
